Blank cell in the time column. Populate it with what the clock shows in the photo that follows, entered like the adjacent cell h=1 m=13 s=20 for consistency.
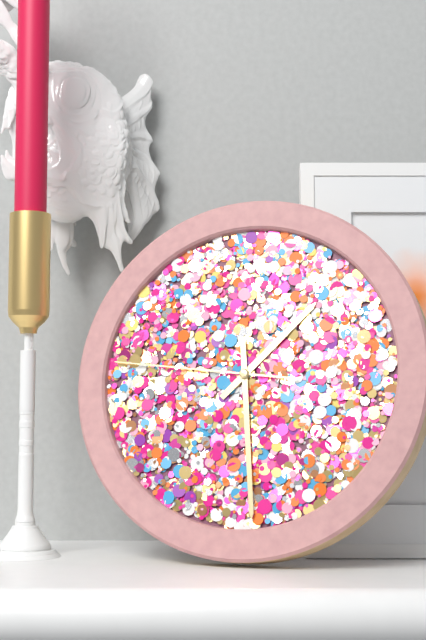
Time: h=1 m=29 s=46
